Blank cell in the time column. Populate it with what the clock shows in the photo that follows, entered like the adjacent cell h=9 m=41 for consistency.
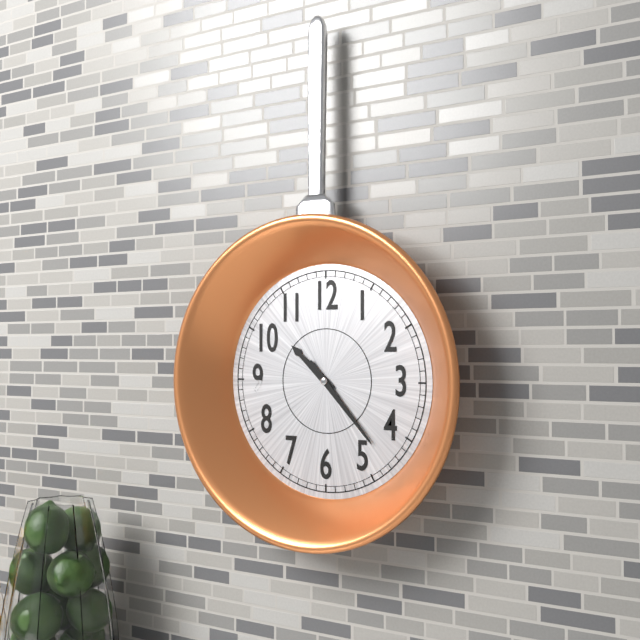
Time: h=10 m=23
